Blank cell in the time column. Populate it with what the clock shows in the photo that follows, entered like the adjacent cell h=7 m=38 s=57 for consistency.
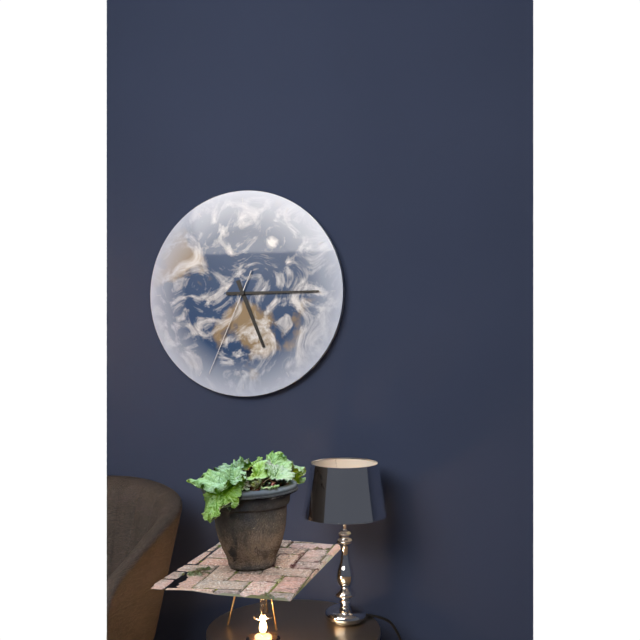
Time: h=5 m=15 s=34
